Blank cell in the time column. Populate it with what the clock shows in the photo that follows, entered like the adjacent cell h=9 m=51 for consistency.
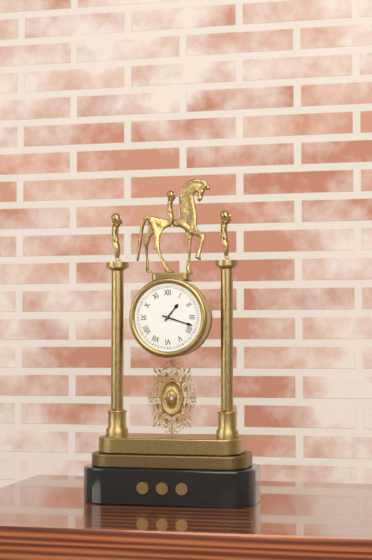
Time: h=1 m=18
